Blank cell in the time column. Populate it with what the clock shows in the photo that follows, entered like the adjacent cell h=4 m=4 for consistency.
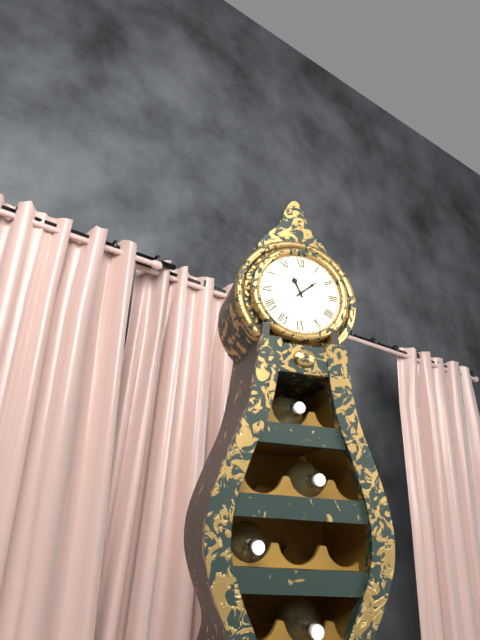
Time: h=11 m=8
